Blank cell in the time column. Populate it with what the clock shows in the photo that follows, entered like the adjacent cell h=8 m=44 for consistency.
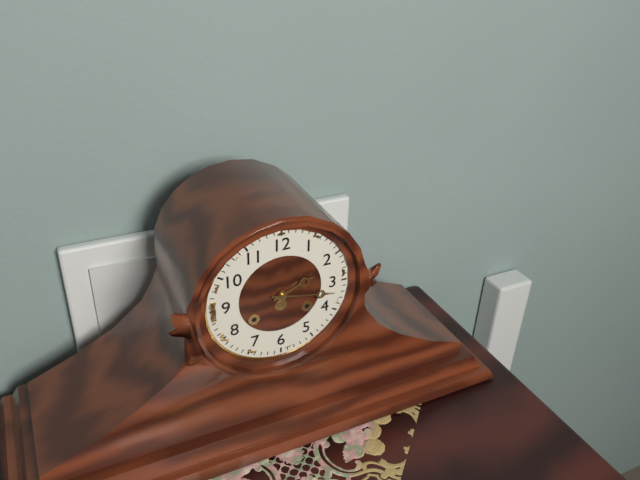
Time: h=2 m=17
